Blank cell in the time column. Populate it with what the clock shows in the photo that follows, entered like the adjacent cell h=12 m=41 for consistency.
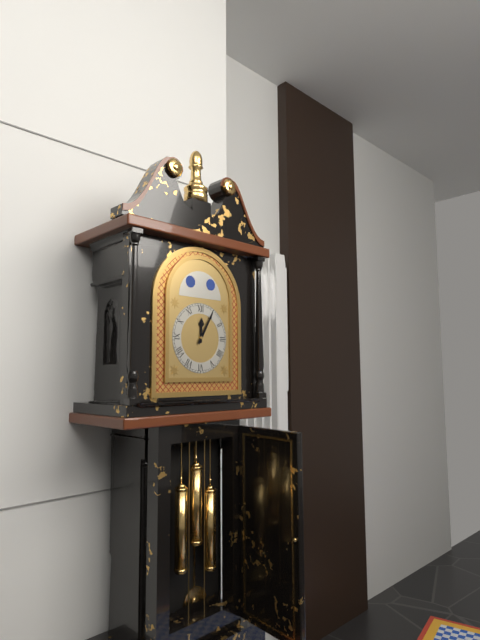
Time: h=12 m=5
